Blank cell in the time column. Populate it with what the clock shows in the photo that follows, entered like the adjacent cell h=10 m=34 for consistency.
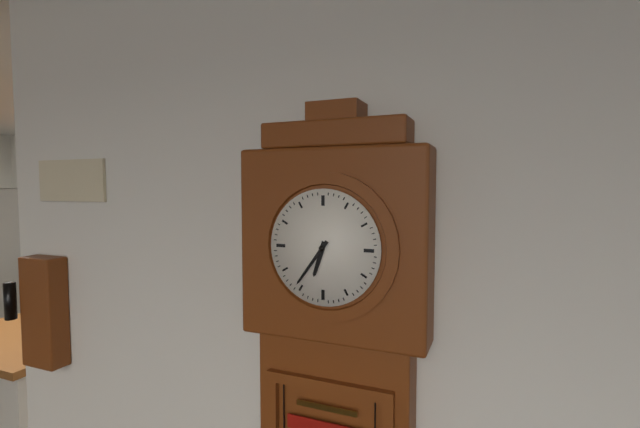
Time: h=6 m=36
